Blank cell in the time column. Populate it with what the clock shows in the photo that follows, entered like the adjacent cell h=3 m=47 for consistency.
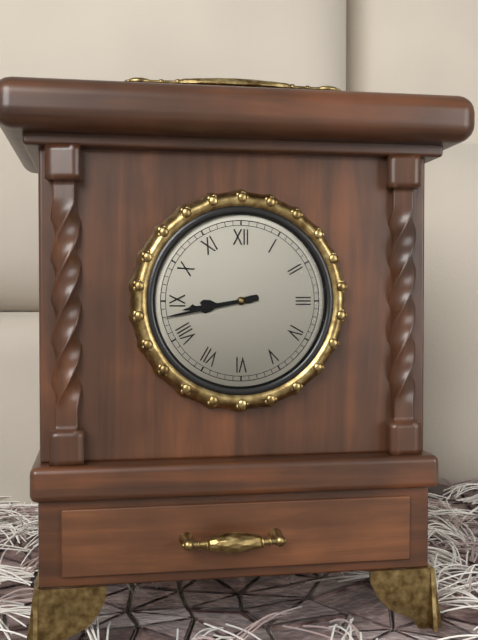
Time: h=8 m=43
